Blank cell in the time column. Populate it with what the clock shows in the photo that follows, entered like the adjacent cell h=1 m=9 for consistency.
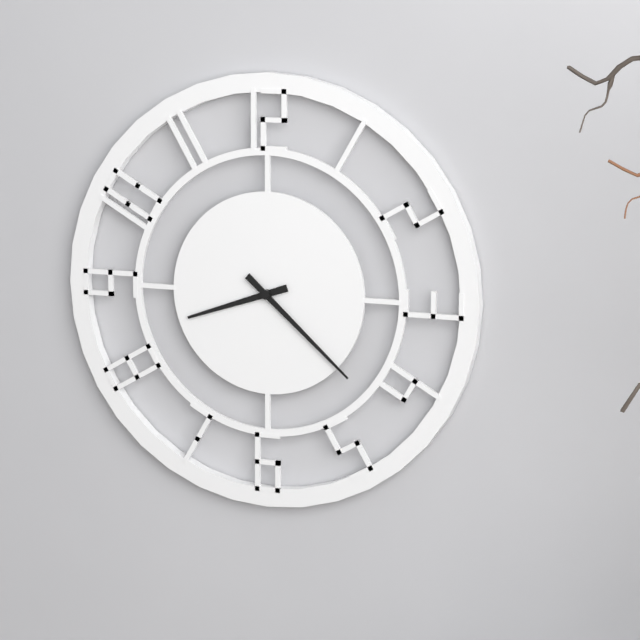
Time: h=8 m=22
